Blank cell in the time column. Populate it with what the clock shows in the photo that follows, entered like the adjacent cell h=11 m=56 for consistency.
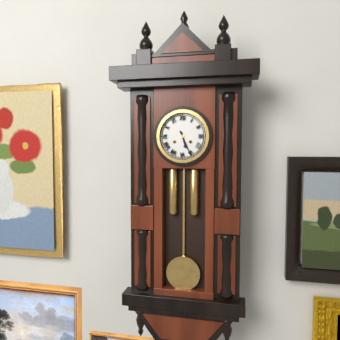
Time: h=5 m=26
